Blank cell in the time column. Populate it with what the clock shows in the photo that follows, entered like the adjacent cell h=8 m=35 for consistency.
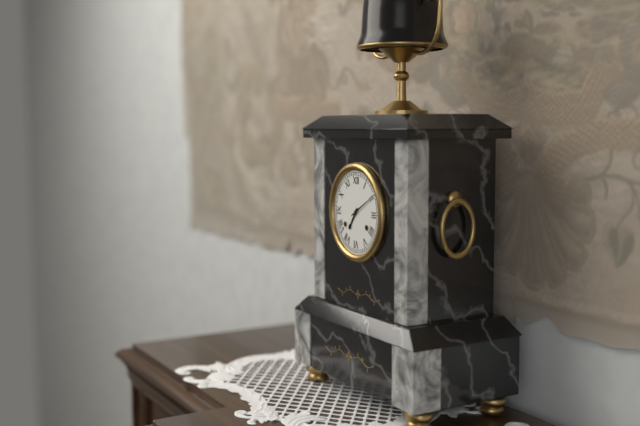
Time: h=7 m=10
